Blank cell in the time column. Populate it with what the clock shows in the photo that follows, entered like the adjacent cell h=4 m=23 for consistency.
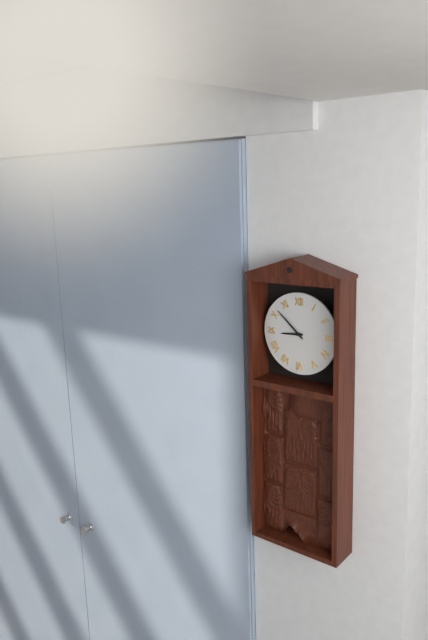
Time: h=8 m=52
